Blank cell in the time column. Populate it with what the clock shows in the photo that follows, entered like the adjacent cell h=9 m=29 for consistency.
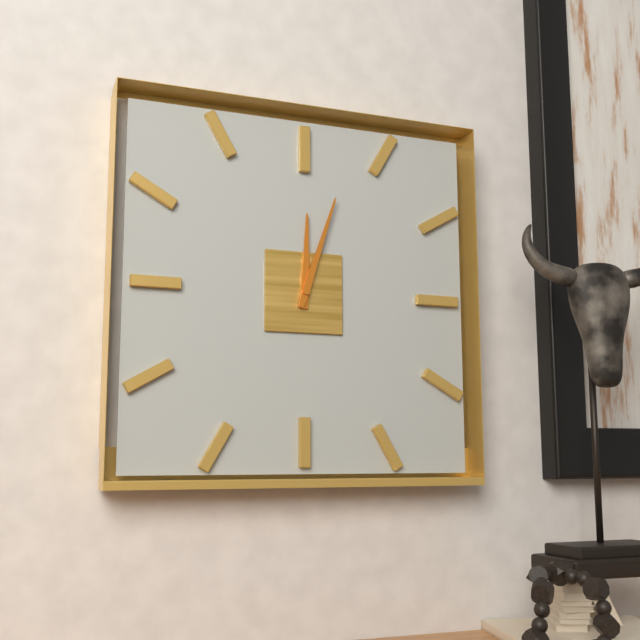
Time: h=12 m=3
